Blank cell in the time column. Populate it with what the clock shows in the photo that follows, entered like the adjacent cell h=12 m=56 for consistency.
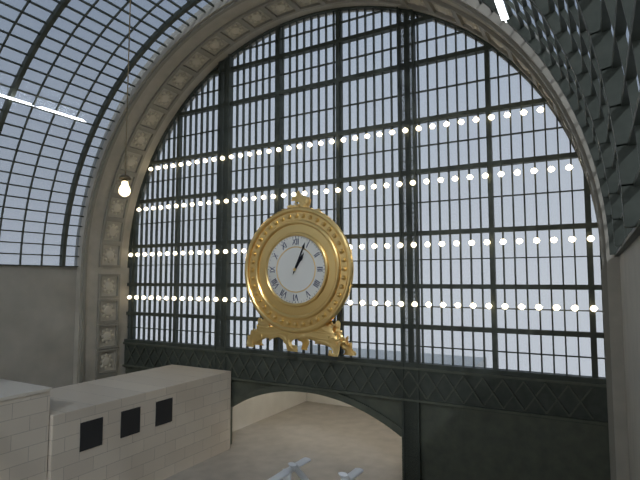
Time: h=1 m=4
